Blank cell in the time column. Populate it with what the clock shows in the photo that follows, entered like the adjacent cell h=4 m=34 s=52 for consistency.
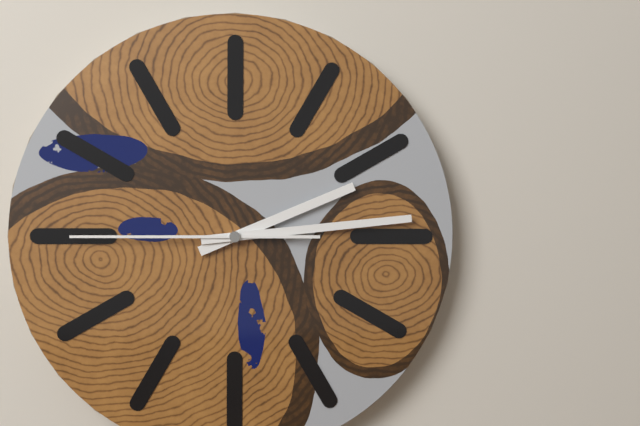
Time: h=2 m=14 s=45
